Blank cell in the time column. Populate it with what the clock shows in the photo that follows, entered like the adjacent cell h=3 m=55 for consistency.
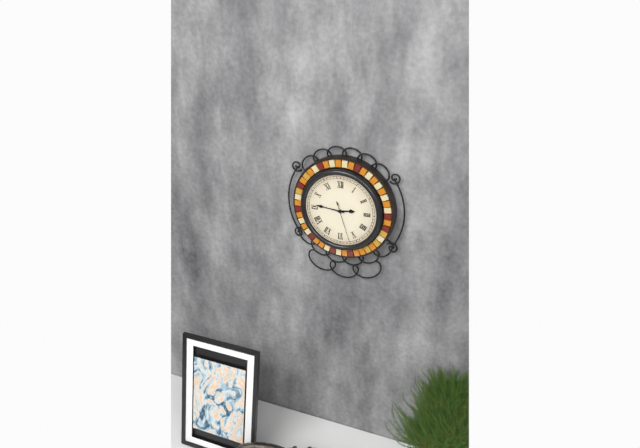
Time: h=2 m=46
